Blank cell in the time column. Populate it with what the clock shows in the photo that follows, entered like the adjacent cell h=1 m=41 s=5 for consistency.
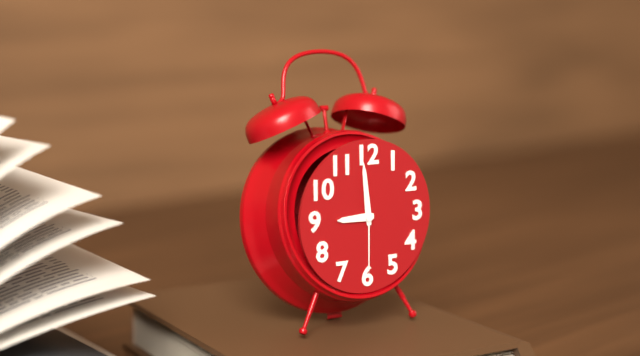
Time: h=8 m=59 s=30
